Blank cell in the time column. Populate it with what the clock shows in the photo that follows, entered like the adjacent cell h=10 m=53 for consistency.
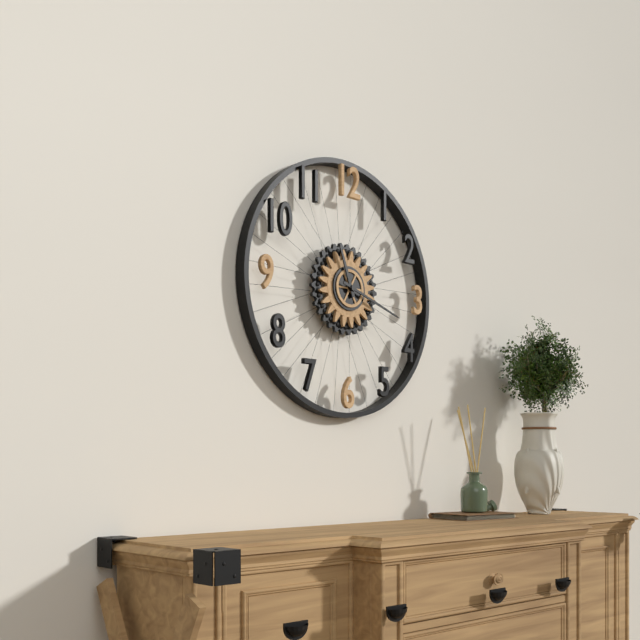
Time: h=11 m=18
